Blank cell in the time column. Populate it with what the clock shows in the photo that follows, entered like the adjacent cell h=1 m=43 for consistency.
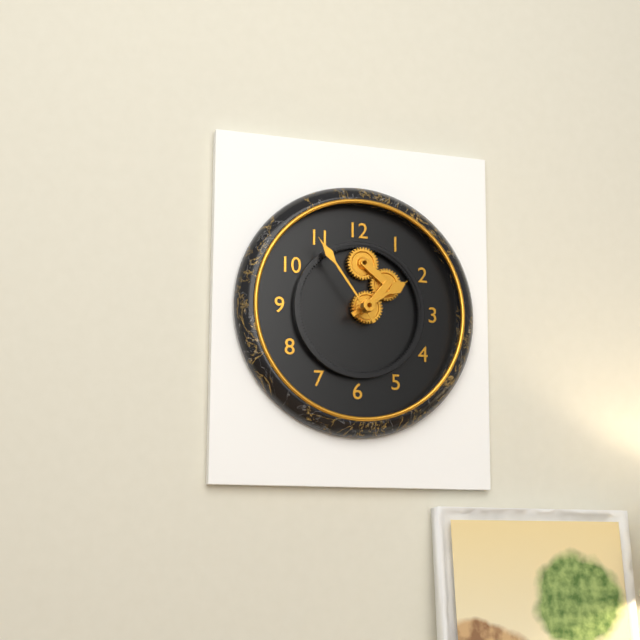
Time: h=1 m=54
